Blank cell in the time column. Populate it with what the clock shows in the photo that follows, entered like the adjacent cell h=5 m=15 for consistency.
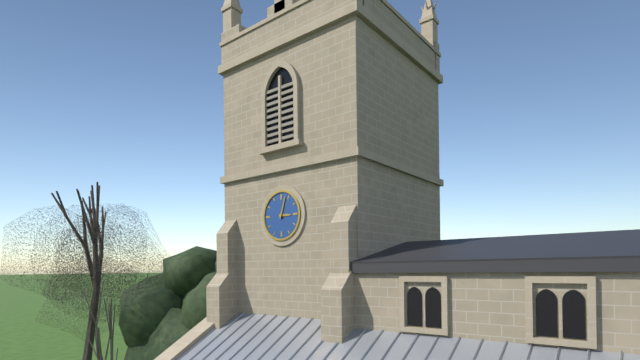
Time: h=3 m=3
